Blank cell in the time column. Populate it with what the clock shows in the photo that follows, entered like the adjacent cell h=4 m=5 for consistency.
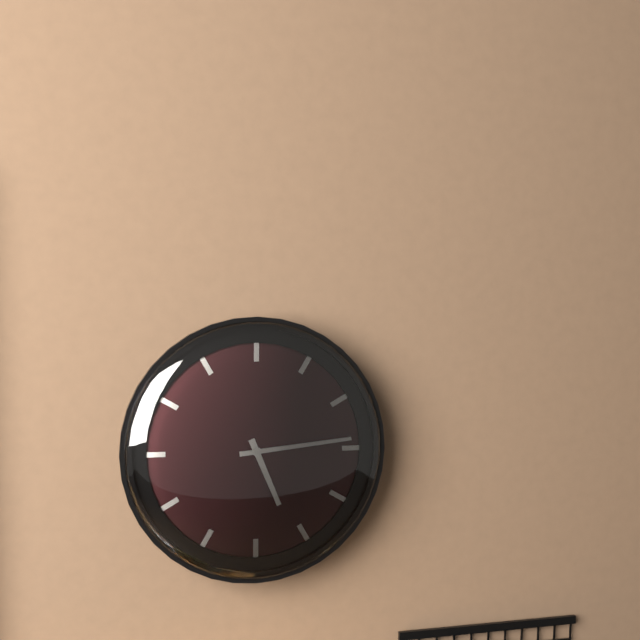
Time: h=5 m=14
